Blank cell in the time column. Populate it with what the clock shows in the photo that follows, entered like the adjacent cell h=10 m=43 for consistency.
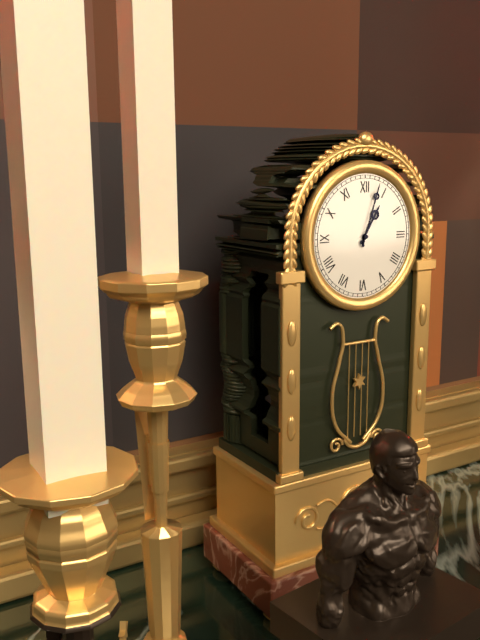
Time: h=1 m=3
